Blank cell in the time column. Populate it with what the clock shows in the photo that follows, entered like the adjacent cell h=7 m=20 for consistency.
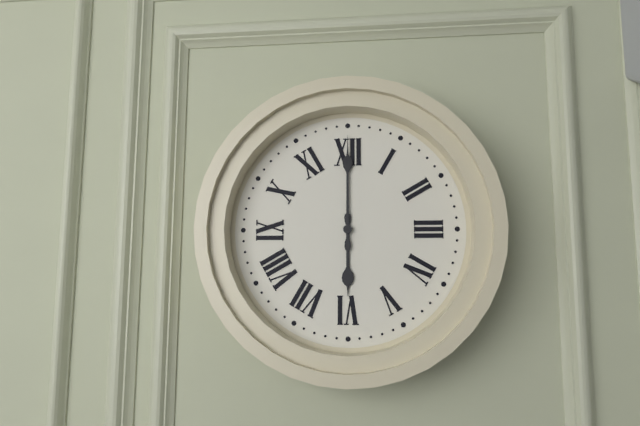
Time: h=6 m=0
